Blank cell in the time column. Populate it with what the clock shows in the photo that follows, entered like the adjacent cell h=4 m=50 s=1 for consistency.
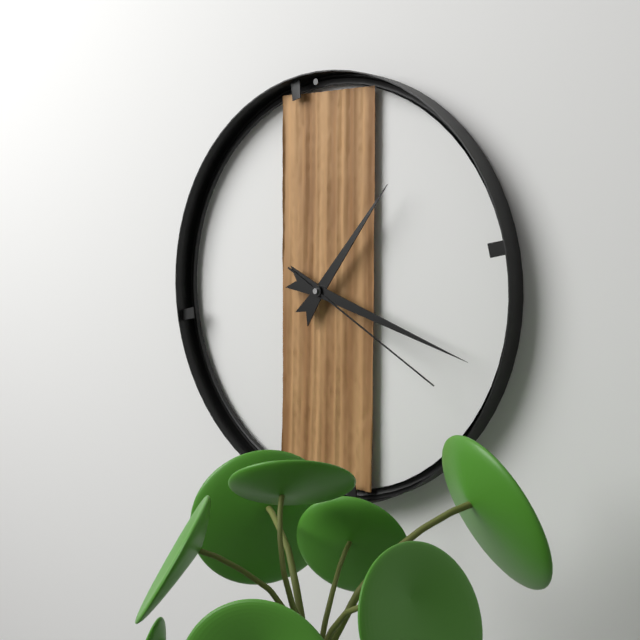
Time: h=1 m=18 s=20
